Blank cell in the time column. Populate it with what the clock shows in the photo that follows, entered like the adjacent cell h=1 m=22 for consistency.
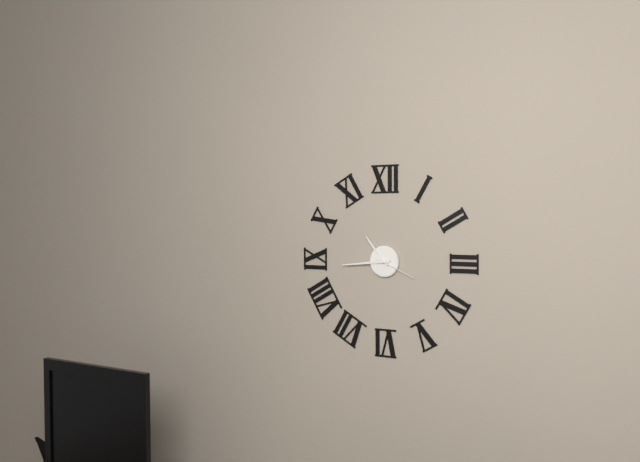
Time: h=10 m=44
